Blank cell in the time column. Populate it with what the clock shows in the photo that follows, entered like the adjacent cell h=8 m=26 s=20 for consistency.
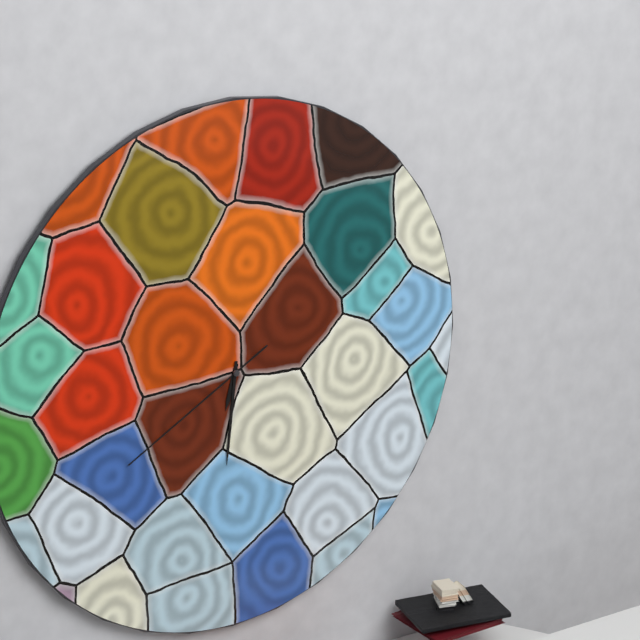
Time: h=6 m=31 s=40
